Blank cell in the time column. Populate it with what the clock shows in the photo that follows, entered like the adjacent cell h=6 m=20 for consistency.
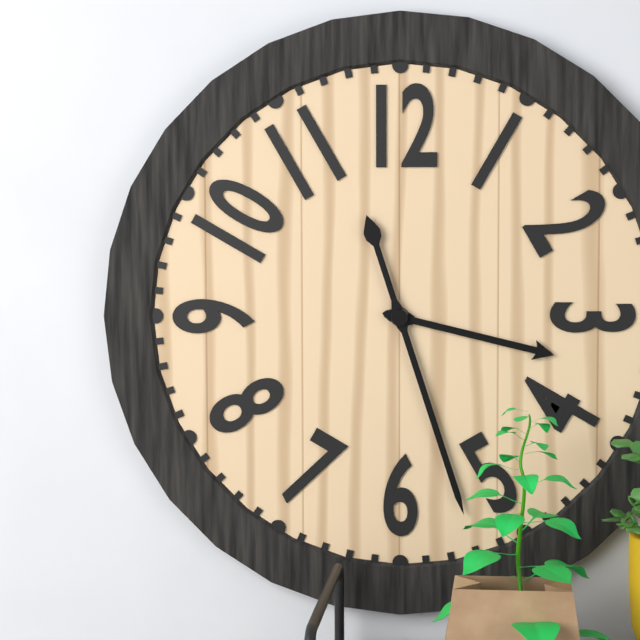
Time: h=3 m=27
